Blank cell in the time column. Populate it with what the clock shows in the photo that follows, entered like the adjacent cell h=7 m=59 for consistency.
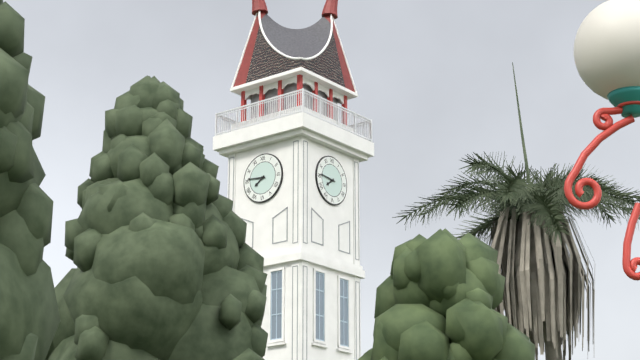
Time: h=7 m=46
